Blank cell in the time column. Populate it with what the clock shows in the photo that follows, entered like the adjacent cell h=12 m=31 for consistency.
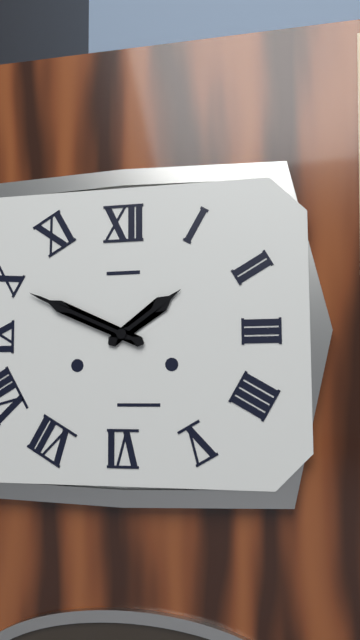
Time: h=1 m=49
